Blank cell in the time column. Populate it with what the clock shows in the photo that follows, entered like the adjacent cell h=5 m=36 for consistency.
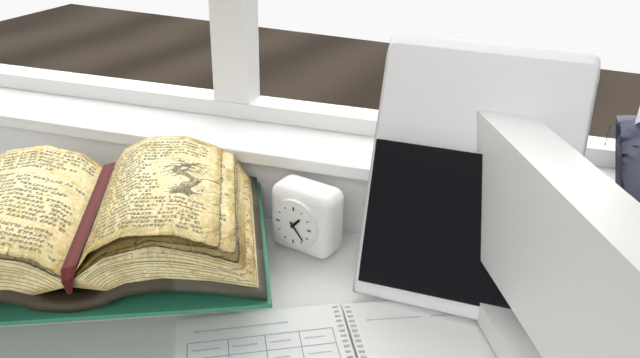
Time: h=1 m=23
